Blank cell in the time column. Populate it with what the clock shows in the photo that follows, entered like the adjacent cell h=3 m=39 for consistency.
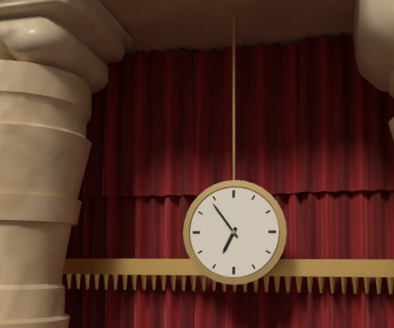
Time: h=6 m=54
